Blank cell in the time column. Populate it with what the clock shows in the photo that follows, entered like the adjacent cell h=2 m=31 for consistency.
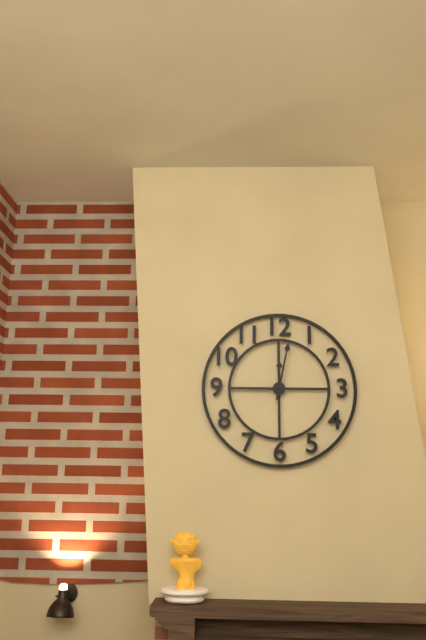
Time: h=12 m=2
